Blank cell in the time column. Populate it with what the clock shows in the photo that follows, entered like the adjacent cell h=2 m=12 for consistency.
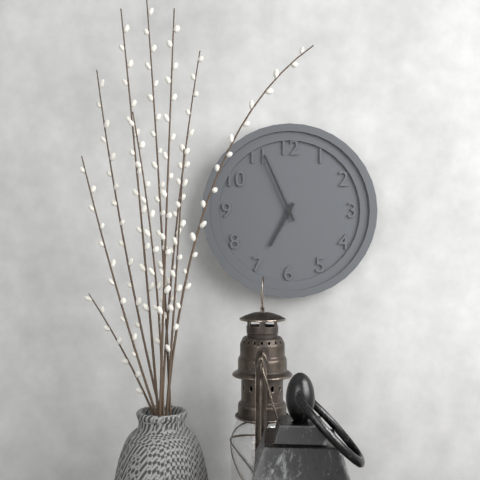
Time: h=6 m=56
